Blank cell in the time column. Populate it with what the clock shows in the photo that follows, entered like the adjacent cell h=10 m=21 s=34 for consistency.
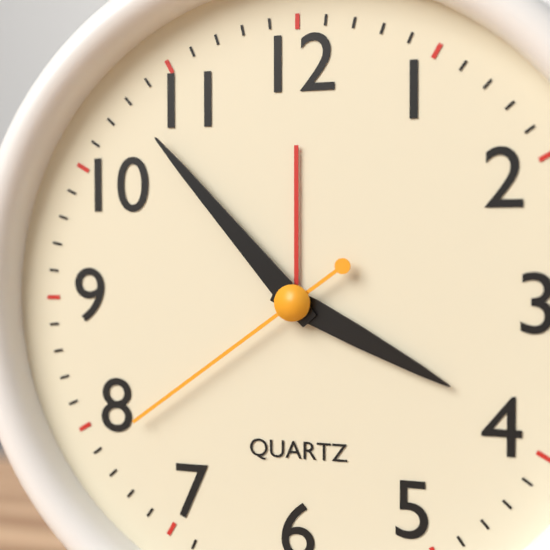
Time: h=3 m=53 s=39
